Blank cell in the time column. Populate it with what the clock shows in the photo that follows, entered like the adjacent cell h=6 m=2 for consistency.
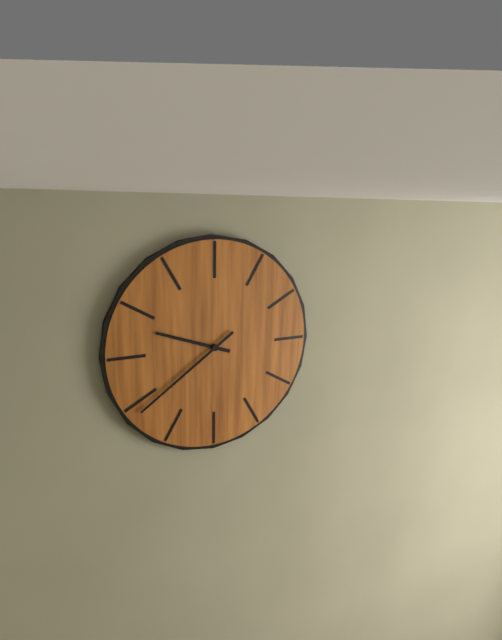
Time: h=9 m=39
